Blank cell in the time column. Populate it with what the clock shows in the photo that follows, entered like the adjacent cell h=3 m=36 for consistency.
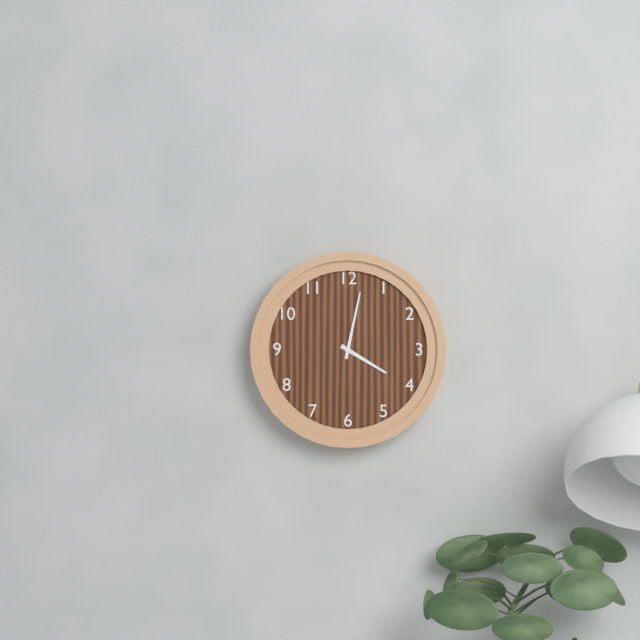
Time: h=4 m=2
